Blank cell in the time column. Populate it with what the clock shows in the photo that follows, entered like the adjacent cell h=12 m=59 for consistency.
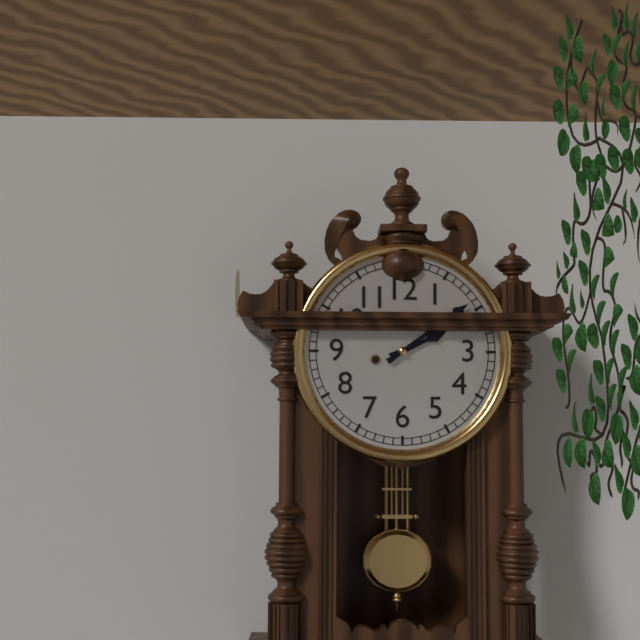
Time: h=2 m=9
